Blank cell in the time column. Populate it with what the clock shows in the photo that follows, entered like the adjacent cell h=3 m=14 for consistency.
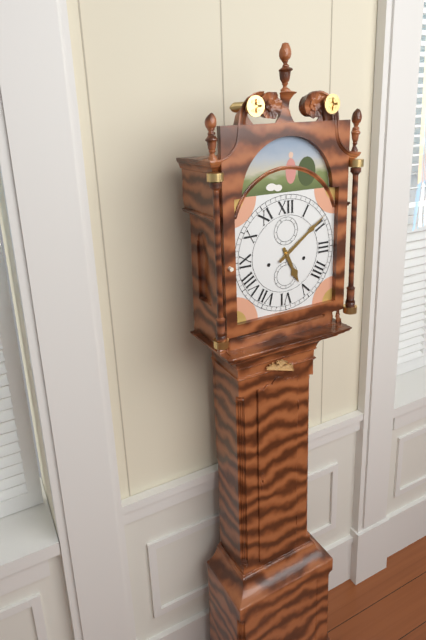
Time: h=5 m=9
